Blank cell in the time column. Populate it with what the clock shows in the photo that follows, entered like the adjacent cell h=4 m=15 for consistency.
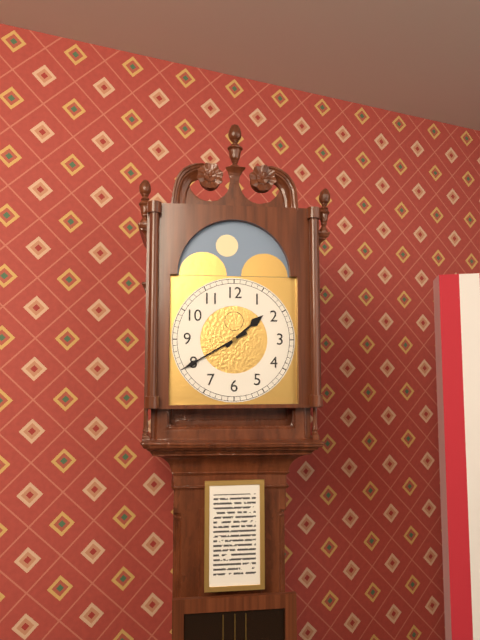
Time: h=1 m=40
